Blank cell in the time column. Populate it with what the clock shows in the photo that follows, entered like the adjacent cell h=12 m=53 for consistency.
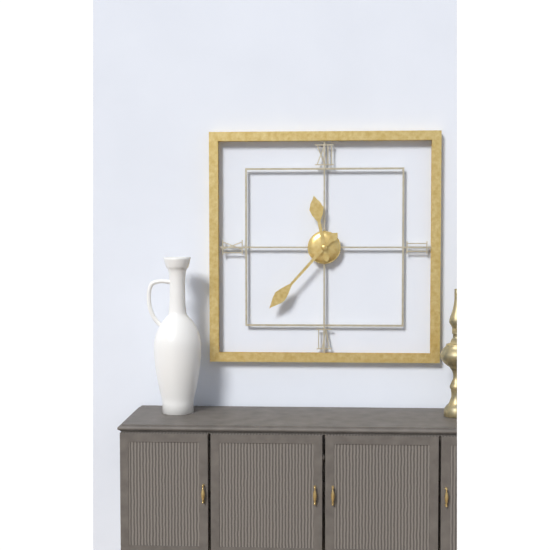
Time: h=11 m=37
